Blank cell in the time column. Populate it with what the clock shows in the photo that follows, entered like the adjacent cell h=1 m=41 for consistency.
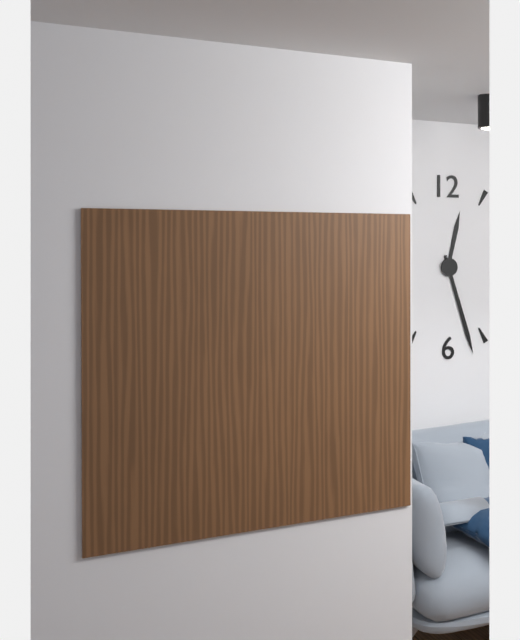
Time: h=12 m=27
